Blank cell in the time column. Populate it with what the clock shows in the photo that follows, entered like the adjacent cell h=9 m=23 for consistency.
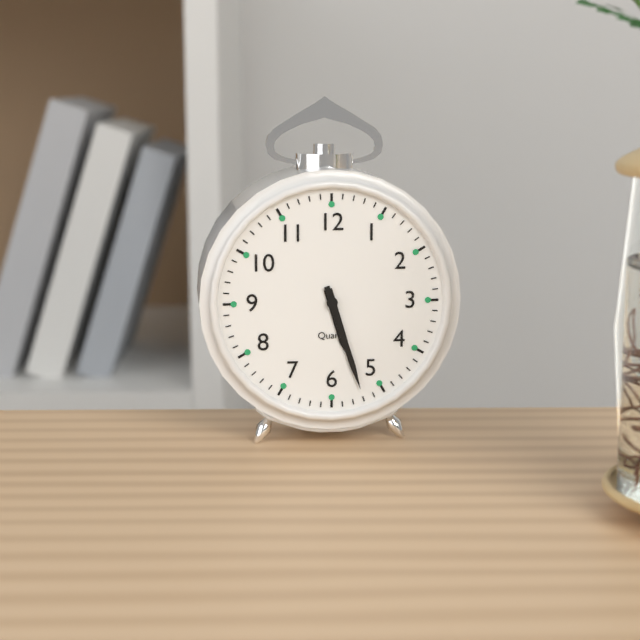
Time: h=5 m=27
